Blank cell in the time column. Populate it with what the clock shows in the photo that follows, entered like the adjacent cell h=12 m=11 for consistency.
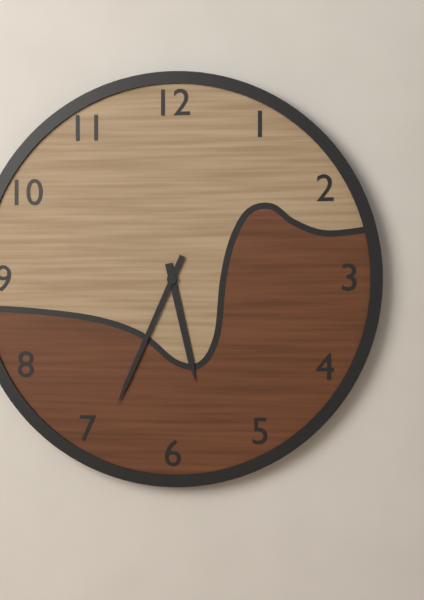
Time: h=5 m=34
